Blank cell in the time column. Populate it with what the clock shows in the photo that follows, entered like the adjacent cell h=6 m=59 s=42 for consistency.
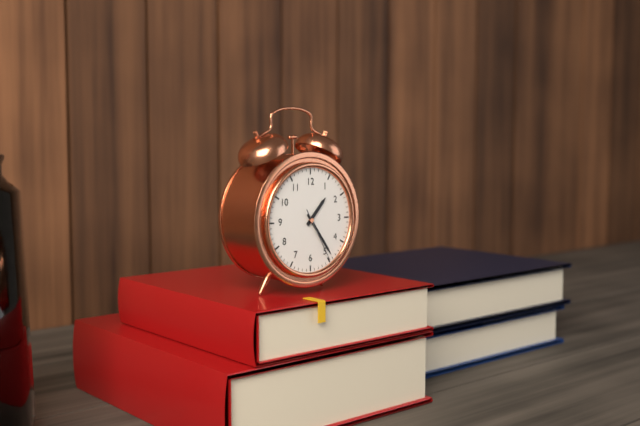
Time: h=1 m=24 s=25
